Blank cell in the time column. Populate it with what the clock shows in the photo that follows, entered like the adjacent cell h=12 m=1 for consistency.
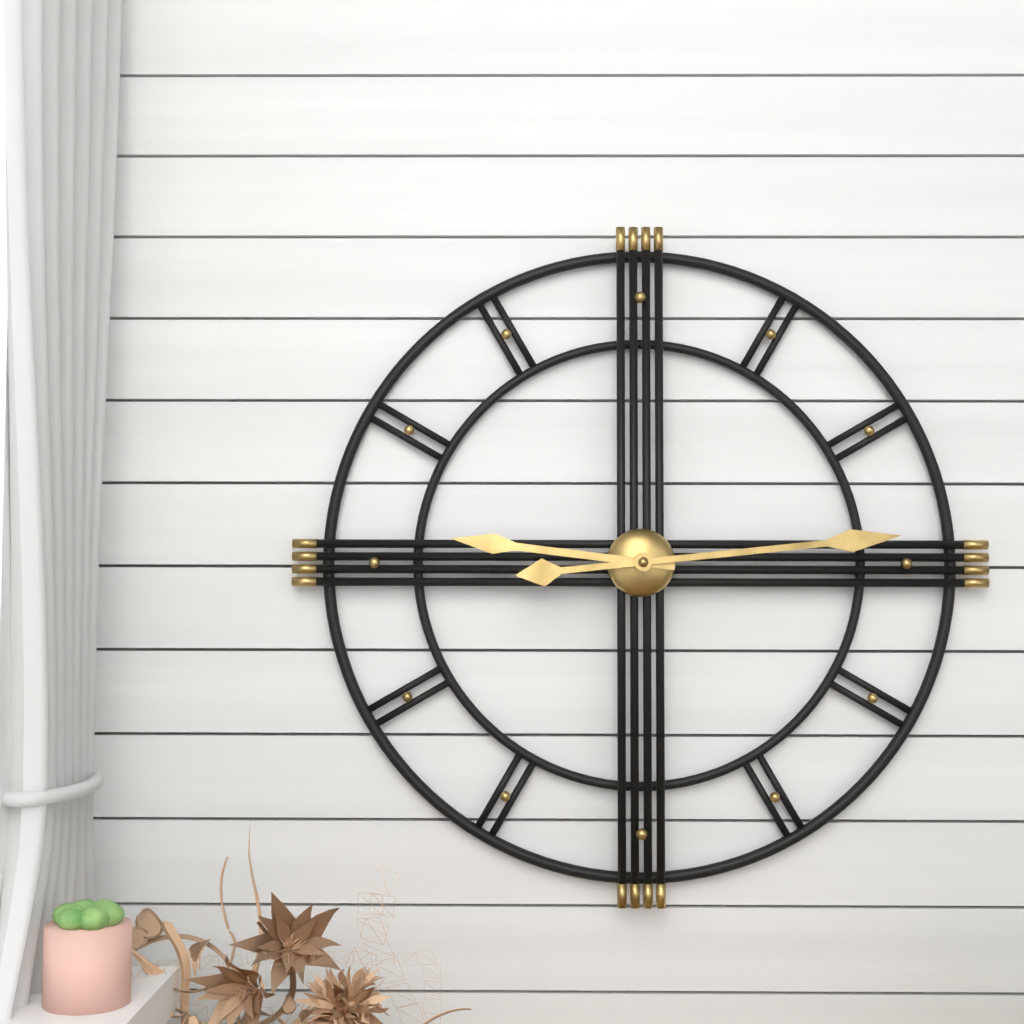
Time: h=9 m=14
